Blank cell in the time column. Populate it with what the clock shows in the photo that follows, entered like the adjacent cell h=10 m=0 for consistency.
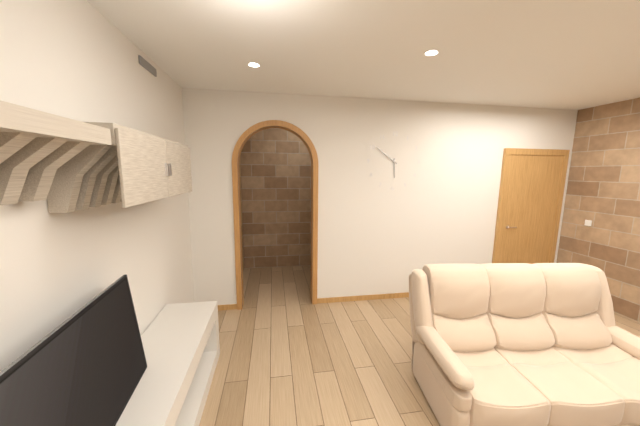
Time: h=5 m=51
